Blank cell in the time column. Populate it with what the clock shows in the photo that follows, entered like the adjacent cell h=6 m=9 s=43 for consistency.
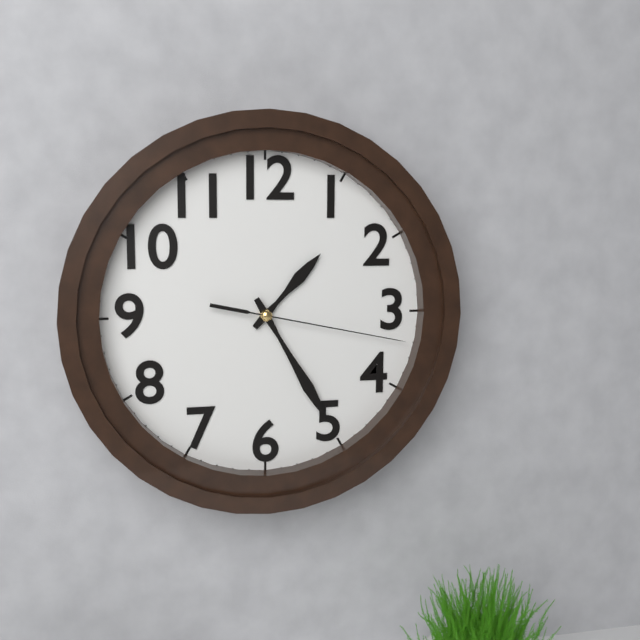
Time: h=1 m=25 s=17
